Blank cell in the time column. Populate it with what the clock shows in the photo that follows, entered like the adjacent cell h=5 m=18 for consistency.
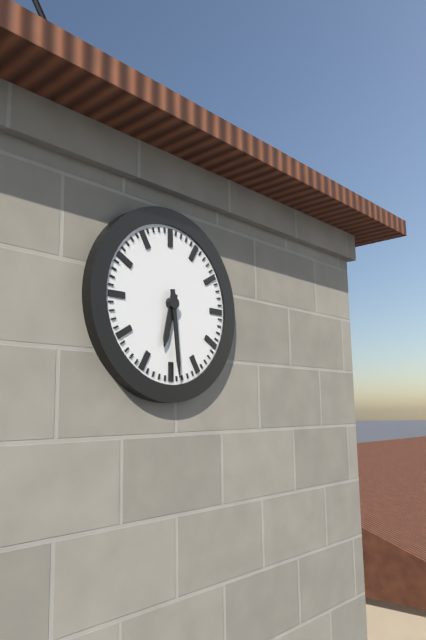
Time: h=6 m=29
